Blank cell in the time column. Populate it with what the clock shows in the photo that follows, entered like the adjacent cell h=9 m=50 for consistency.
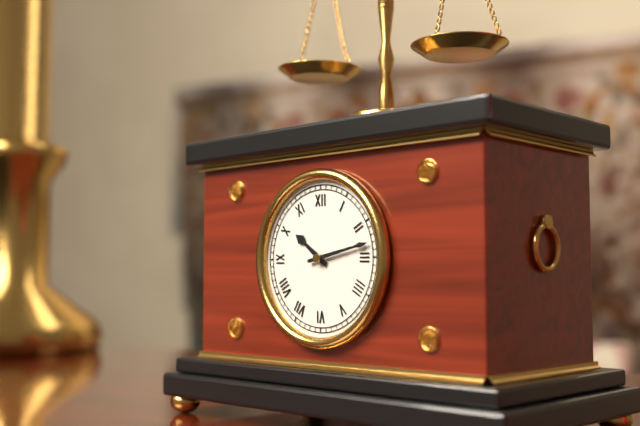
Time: h=10 m=13
